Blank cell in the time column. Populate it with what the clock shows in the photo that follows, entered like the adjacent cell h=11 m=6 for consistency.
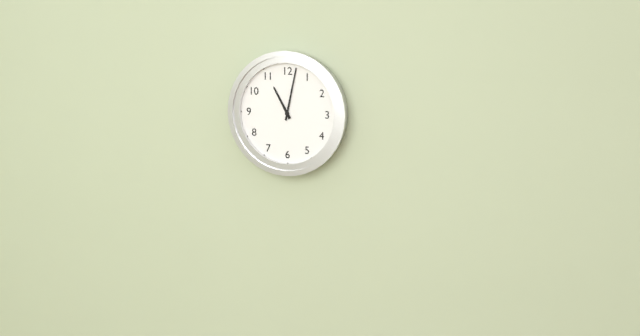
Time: h=11 m=2
